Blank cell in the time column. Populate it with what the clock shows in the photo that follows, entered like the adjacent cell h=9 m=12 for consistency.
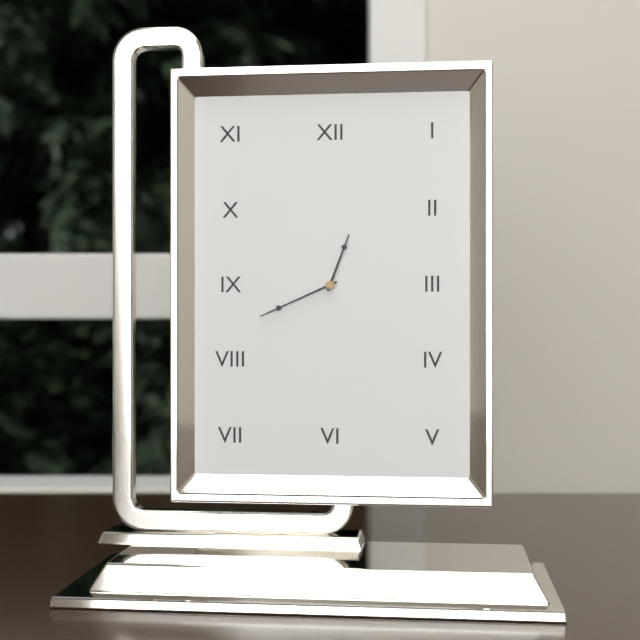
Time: h=12 m=41
